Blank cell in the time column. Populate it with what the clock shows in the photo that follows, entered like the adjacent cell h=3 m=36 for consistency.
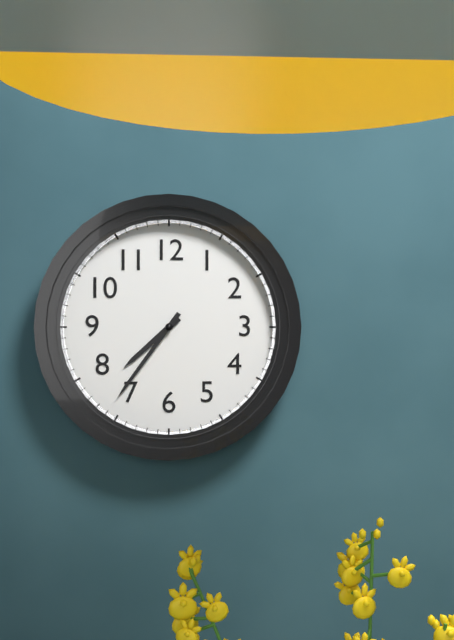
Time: h=7 m=36
